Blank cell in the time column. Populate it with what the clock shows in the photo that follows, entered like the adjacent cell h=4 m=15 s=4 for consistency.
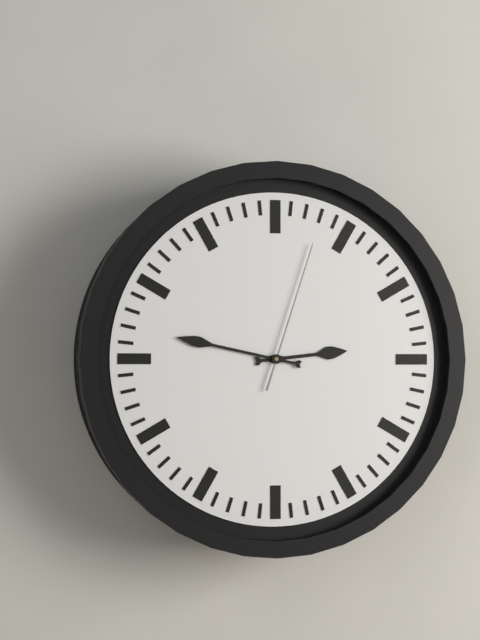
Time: h=2 m=47 s=3
